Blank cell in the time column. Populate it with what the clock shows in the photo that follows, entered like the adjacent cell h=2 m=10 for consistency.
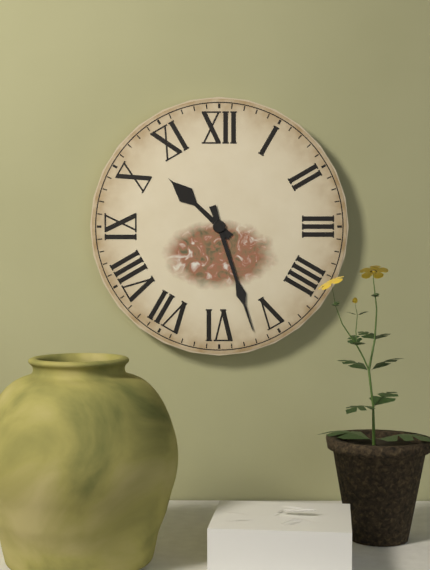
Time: h=10 m=27
